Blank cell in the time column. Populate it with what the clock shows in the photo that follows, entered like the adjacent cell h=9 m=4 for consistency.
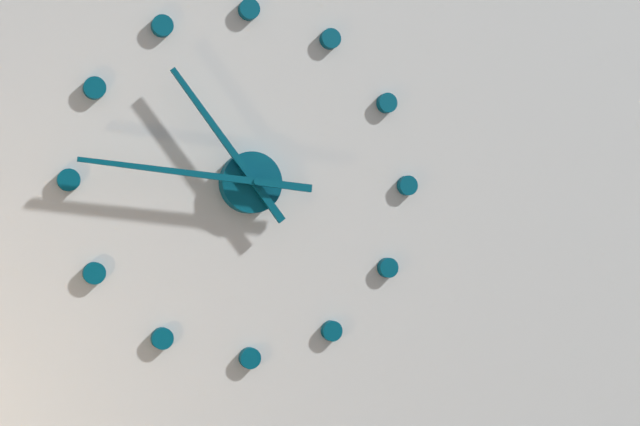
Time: h=10 m=46
